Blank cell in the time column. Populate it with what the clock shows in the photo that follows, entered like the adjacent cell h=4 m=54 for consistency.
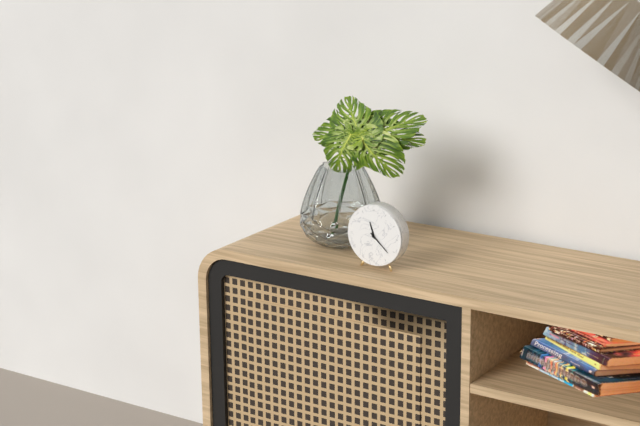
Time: h=11 m=22
